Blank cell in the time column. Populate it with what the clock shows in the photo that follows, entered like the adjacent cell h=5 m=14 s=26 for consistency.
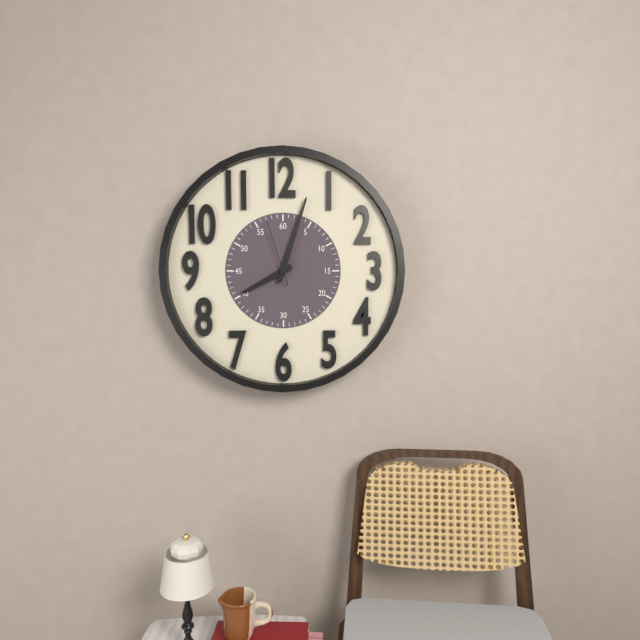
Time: h=8 m=3 s=57
